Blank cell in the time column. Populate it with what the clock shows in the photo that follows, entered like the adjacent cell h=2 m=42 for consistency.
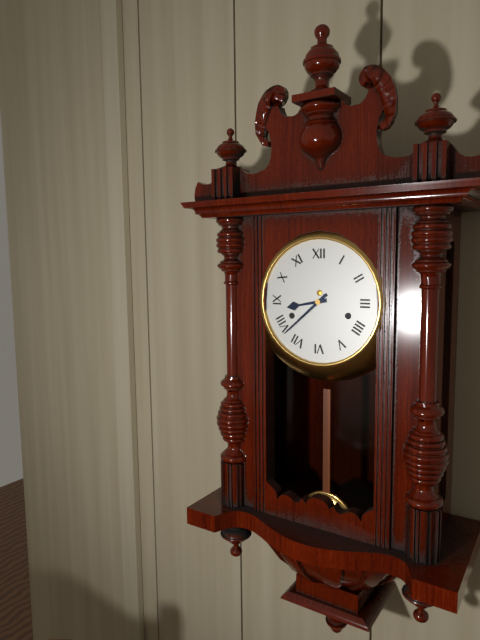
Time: h=8 m=38
